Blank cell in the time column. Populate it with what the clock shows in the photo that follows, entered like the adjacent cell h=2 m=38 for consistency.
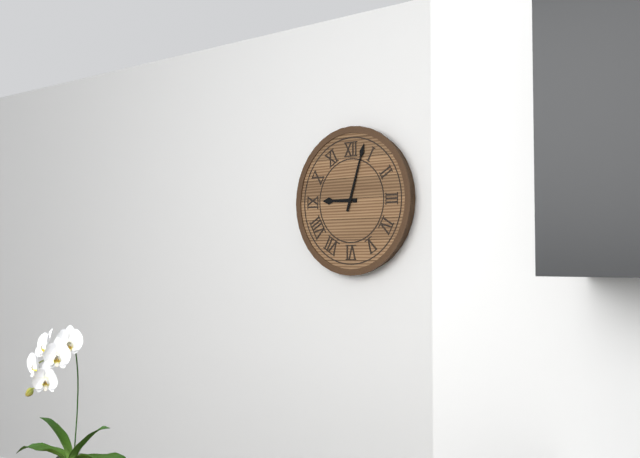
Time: h=9 m=3
